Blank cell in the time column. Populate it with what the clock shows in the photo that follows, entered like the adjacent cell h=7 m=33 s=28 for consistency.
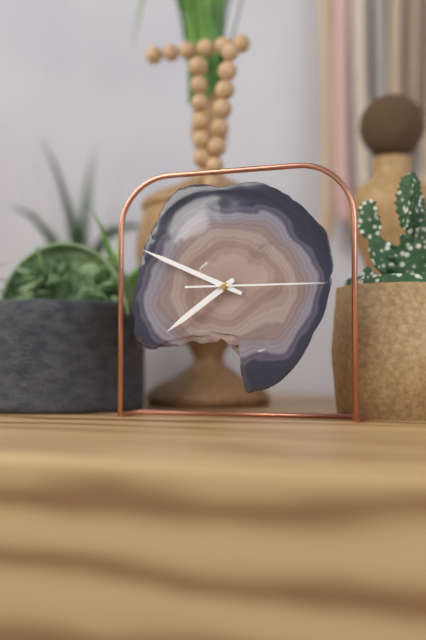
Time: h=7 m=49 s=15
